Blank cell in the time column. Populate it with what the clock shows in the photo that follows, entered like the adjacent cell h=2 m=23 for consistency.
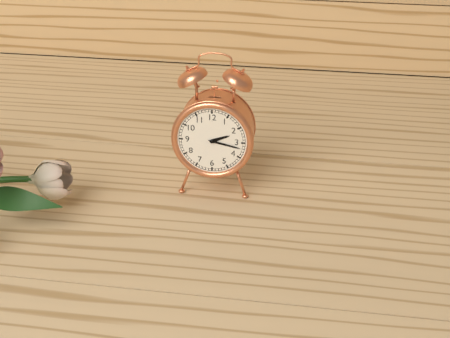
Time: h=2 m=17
